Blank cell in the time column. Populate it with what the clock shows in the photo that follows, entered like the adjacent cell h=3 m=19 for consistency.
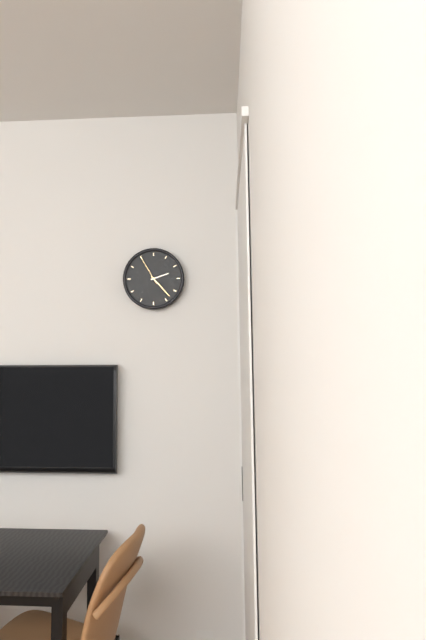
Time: h=2 m=23
